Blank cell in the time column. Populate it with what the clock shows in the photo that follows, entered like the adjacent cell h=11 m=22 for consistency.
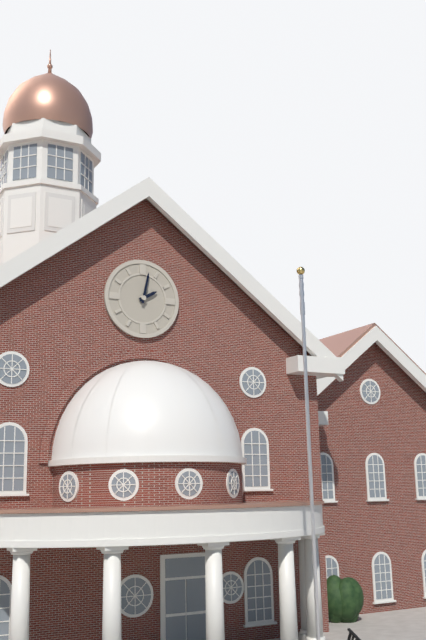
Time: h=2 m=2
